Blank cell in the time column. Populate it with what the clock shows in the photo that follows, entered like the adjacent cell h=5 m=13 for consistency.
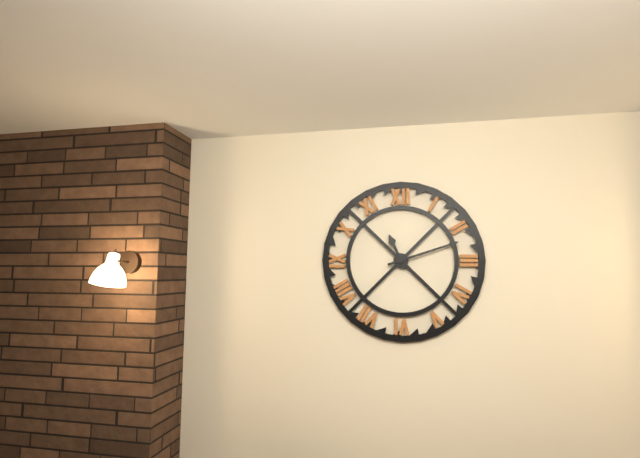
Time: h=11 m=12
